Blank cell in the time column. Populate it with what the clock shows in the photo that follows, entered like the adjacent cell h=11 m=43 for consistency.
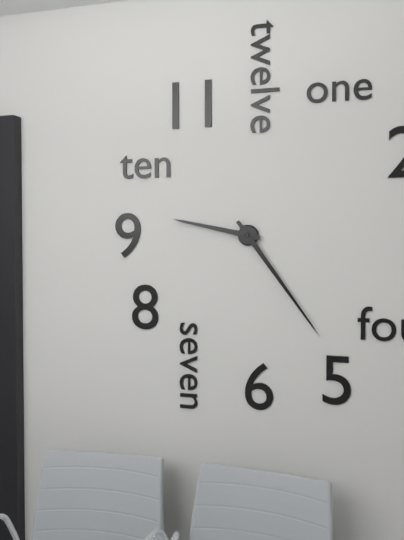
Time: h=9 m=24
